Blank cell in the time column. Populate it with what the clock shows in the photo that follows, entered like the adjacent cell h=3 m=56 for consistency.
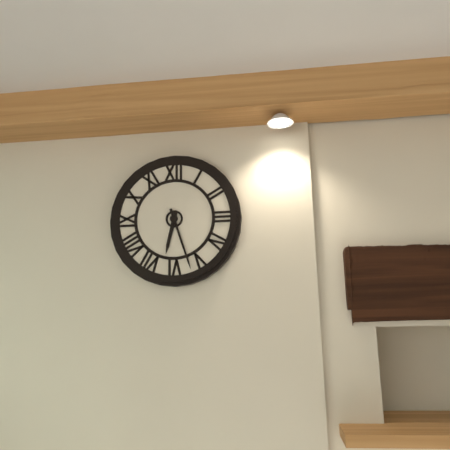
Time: h=6 m=27
